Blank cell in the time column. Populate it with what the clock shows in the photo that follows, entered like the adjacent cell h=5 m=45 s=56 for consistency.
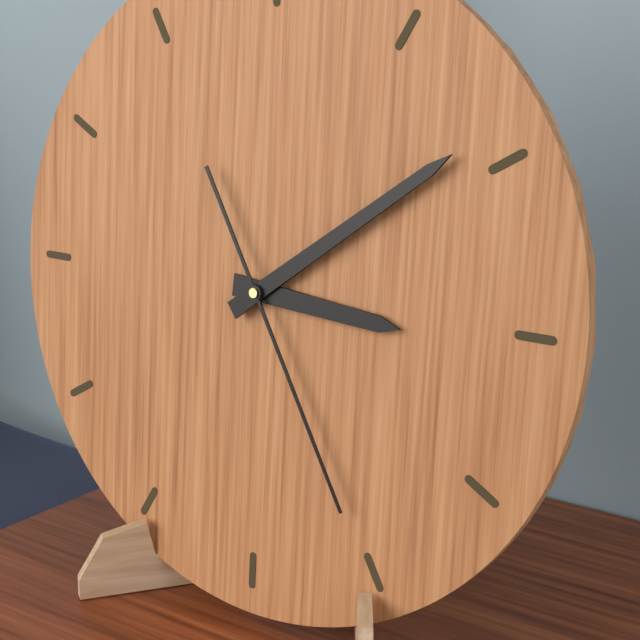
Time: h=3 m=9 s=25
